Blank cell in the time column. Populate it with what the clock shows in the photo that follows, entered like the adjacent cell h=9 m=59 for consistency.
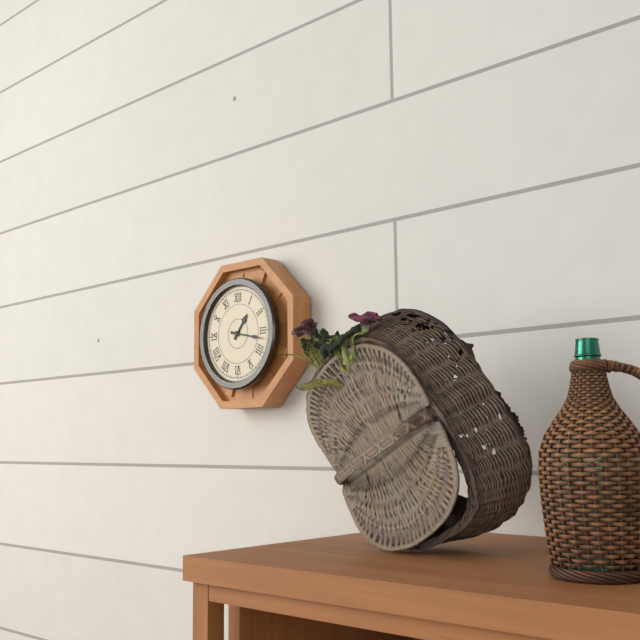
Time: h=1 m=17
